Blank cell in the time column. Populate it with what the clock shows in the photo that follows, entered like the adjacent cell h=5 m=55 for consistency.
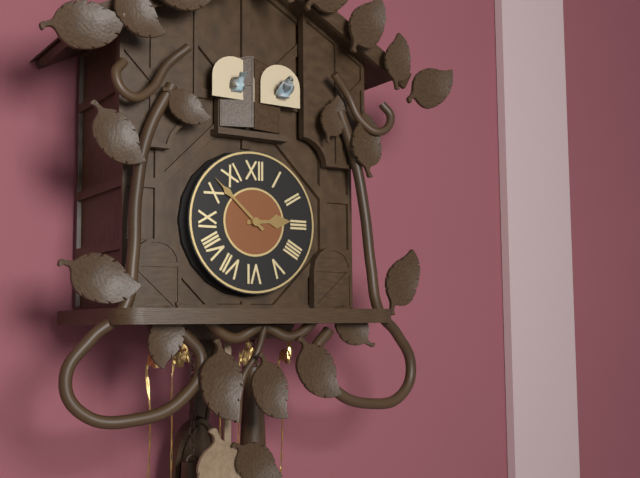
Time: h=2 m=52
